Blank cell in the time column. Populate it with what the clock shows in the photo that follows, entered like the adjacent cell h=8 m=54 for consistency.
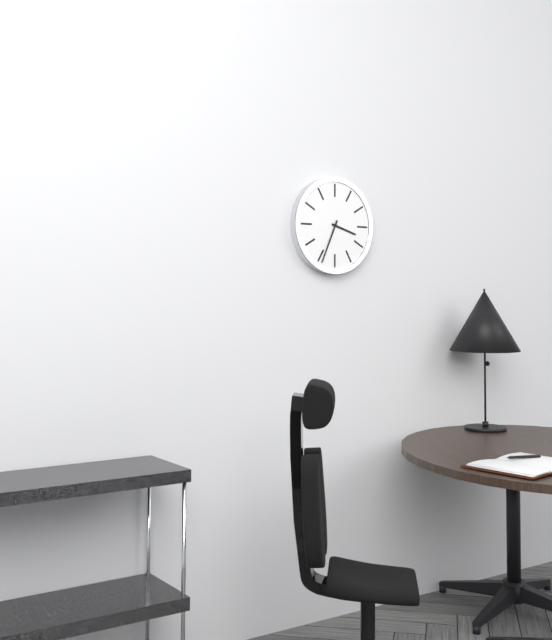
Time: h=3 m=34
